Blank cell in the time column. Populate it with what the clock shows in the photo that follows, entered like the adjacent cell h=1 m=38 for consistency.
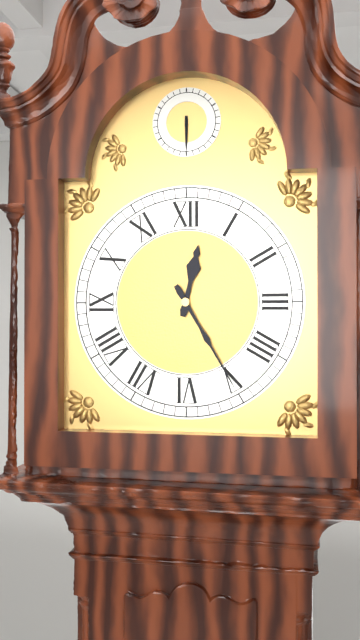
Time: h=12 m=25
